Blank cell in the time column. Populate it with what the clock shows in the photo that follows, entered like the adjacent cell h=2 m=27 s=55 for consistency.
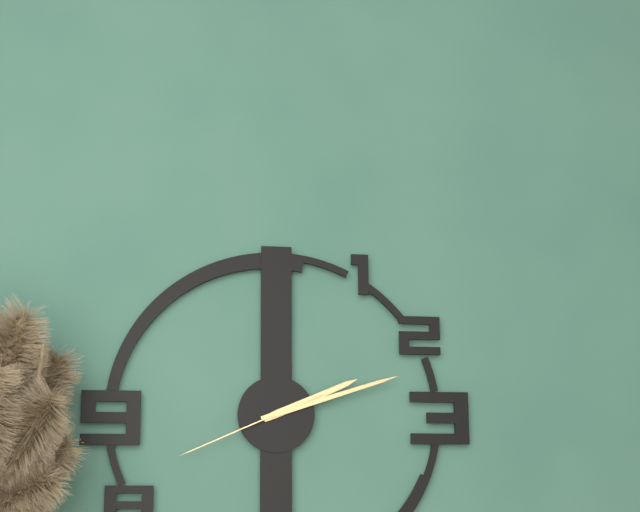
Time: h=2 m=12 s=41
